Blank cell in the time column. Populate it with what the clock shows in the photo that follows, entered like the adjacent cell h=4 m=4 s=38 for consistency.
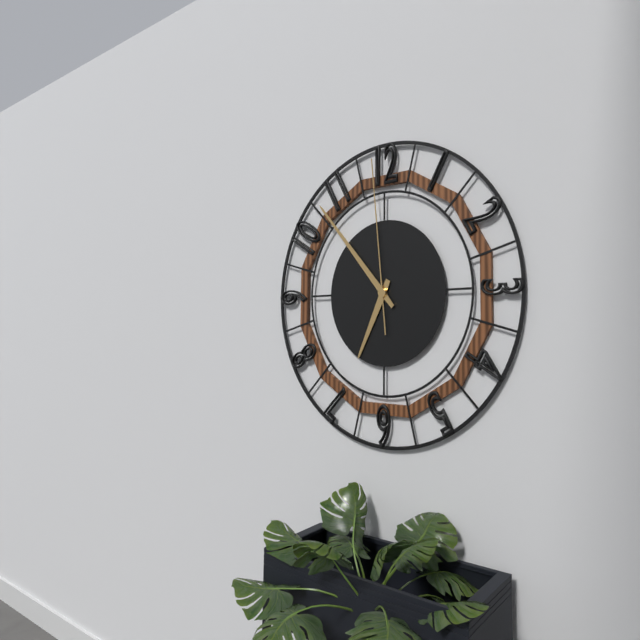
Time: h=6 m=53 s=59
